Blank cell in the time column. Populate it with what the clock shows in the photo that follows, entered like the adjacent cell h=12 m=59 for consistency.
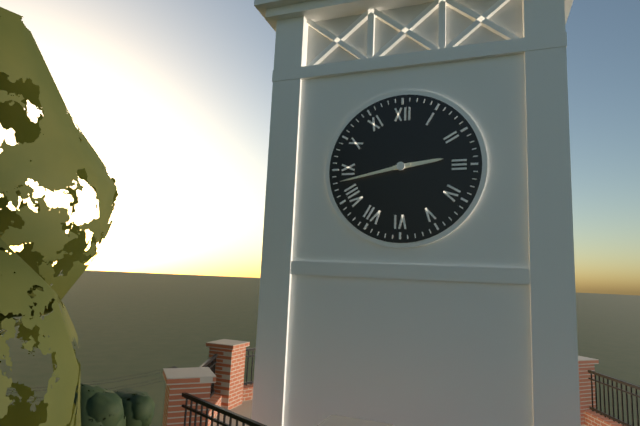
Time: h=2 m=43
